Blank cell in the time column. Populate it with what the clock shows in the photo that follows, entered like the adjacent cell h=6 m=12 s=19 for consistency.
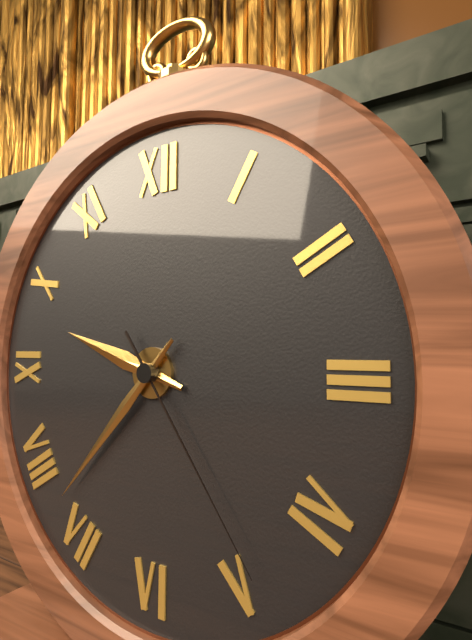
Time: h=9 m=37 s=24
